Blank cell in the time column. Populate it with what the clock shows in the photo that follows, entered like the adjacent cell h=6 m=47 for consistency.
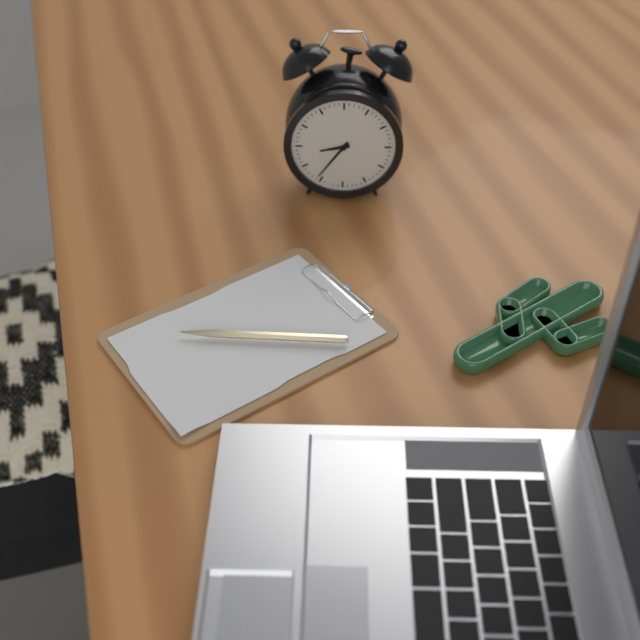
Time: h=8 m=36
